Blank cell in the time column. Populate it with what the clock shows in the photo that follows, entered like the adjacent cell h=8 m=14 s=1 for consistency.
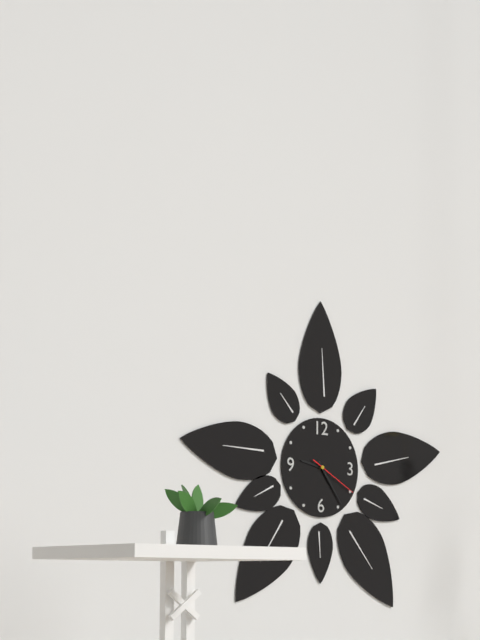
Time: h=9 m=24 s=20
